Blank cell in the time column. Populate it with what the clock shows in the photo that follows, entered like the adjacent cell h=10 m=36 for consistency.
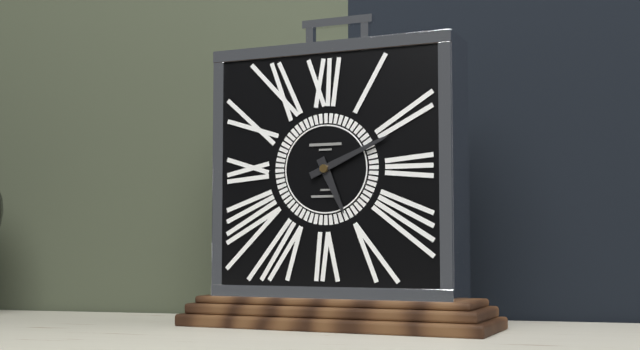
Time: h=5 m=11
